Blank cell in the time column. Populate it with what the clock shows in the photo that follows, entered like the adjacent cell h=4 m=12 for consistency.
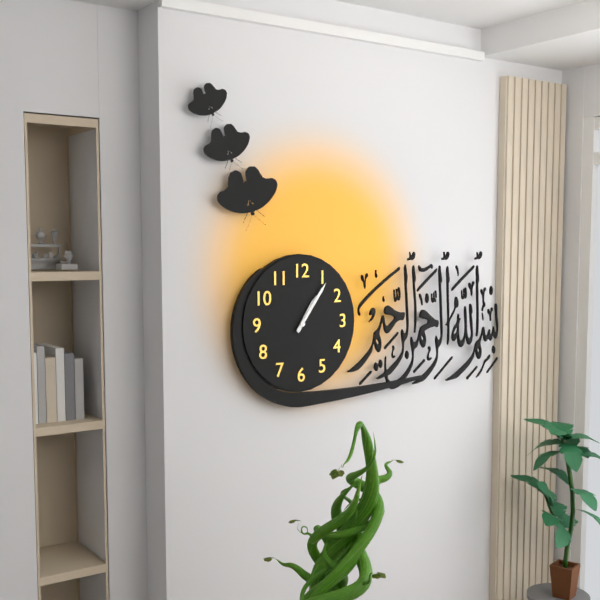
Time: h=1 m=6
